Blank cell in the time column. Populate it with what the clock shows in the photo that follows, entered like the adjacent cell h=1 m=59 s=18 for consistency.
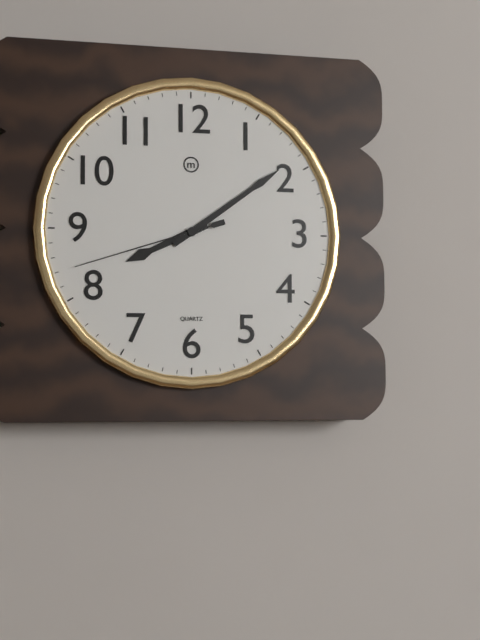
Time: h=8 m=9 s=42
